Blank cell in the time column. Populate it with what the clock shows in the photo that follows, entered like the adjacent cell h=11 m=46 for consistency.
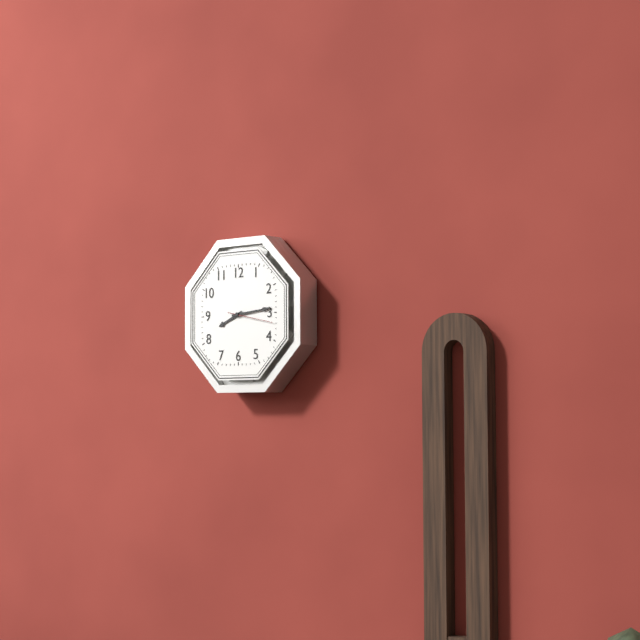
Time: h=8 m=14
